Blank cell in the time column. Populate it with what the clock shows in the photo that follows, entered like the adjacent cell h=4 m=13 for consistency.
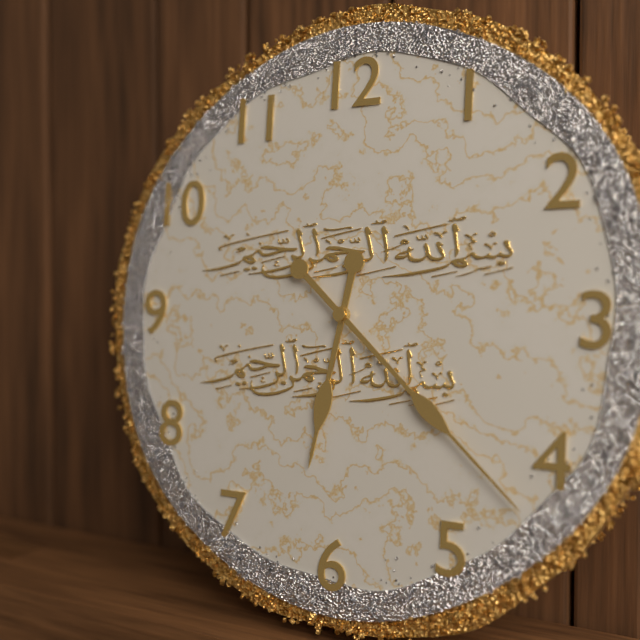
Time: h=6 m=22
